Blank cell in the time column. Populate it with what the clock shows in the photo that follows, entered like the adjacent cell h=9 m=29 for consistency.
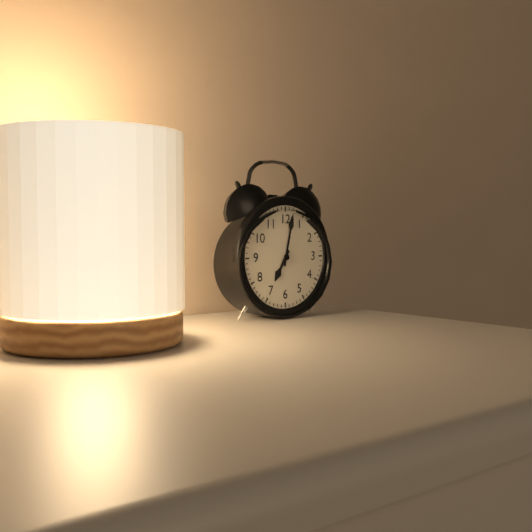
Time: h=7 m=2
